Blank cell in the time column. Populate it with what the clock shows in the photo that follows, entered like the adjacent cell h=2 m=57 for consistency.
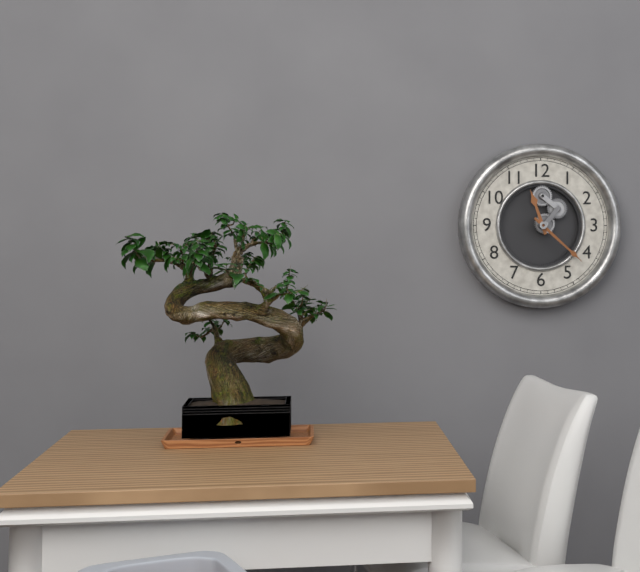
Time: h=11 m=22
